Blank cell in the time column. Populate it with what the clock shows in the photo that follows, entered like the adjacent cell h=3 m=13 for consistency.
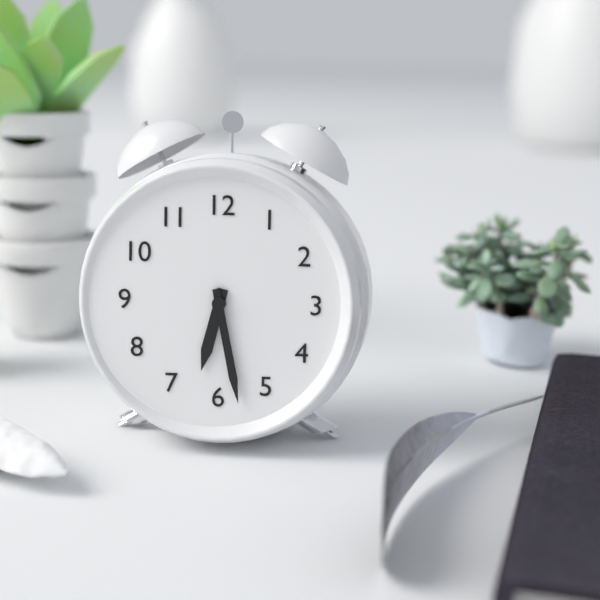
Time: h=6 m=28
